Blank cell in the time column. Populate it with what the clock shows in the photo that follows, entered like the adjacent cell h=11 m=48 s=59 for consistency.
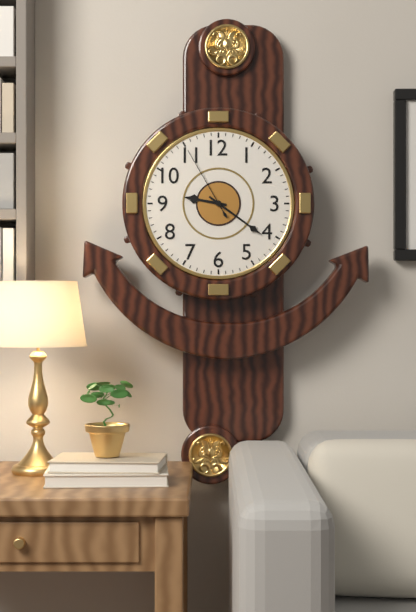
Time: h=9 m=21 s=55
